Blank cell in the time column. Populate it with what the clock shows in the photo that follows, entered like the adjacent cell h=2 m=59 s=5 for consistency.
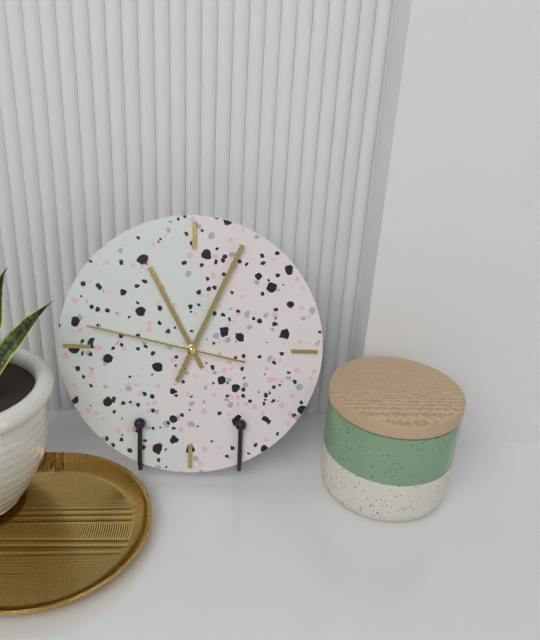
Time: h=11 m=4 s=47
